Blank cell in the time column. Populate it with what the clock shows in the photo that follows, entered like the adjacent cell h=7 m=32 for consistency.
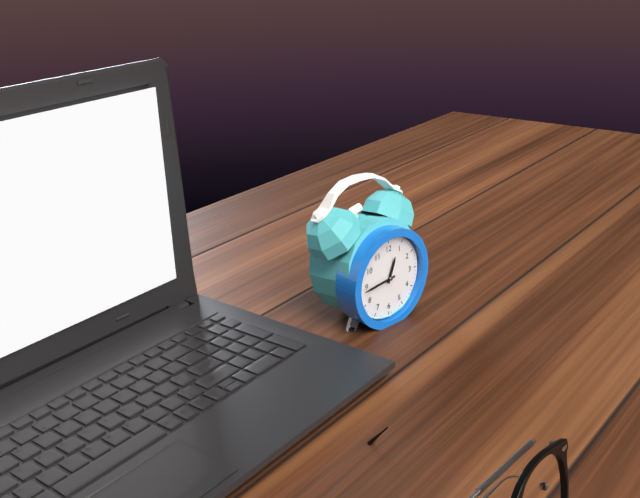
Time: h=12 m=44
